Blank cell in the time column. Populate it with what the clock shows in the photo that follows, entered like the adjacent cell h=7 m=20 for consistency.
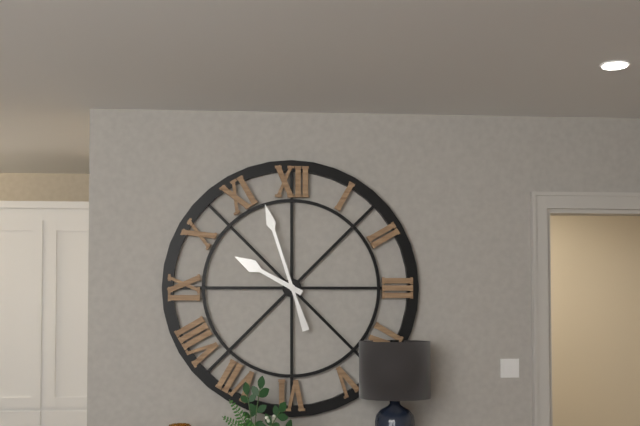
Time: h=9 m=57
